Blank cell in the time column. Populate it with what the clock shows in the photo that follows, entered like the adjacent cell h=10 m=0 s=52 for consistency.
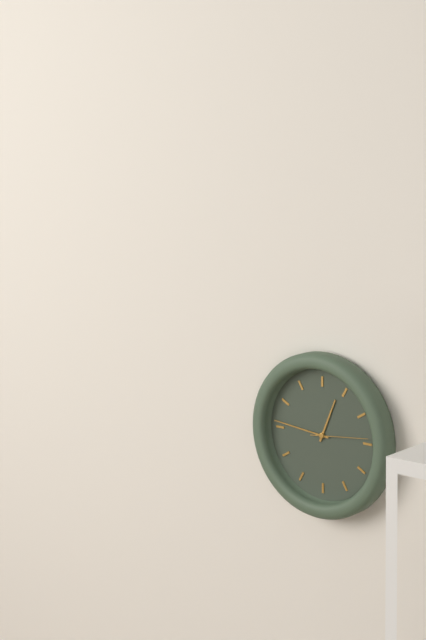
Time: h=12 m=46 s=14
